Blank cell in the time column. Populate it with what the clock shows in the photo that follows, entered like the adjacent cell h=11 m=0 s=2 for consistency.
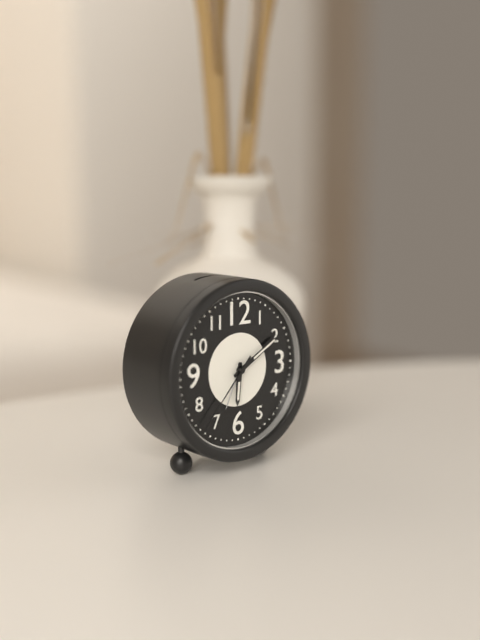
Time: h=6 m=10 s=37
